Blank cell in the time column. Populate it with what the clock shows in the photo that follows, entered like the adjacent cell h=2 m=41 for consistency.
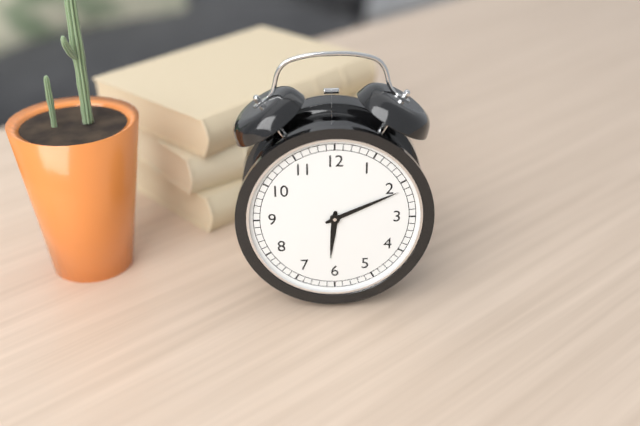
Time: h=6 m=11
